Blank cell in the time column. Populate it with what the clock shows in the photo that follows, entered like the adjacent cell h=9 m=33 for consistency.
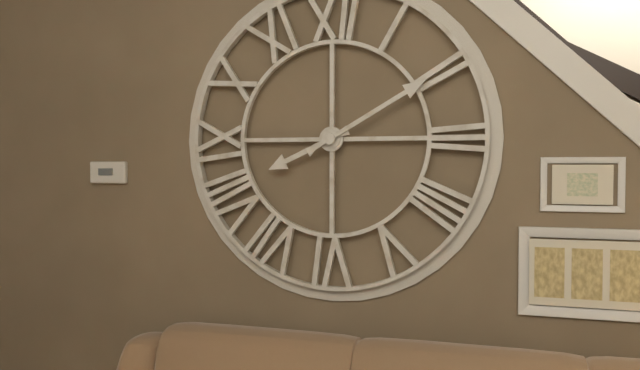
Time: h=8 m=10
